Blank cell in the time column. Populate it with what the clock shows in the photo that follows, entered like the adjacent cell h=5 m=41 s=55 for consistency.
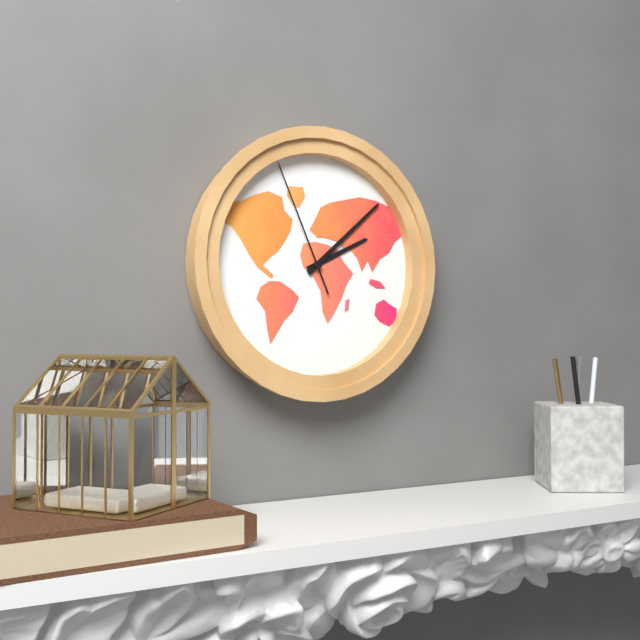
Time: h=2 m=8 s=56
